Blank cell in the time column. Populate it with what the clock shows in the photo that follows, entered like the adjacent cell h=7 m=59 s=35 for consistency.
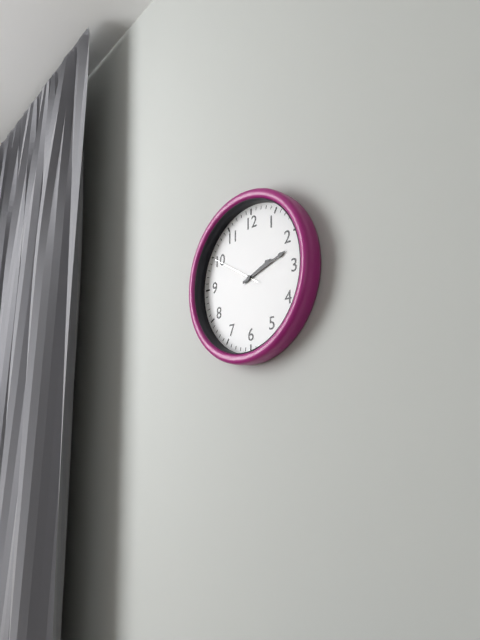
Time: h=2 m=12 s=50
